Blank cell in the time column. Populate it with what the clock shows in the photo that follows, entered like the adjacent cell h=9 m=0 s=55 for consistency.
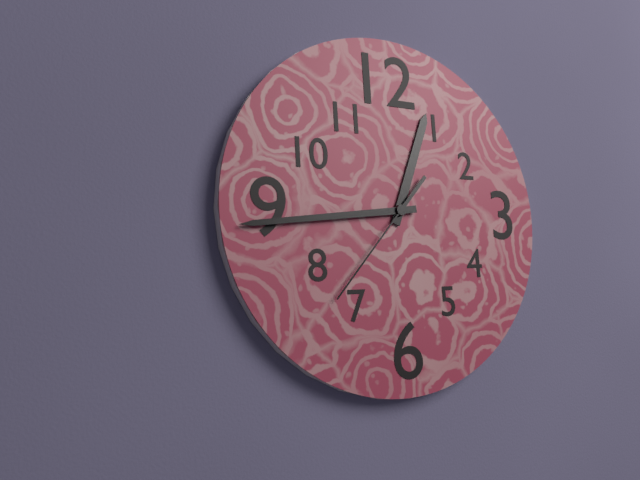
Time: h=12 m=44 s=37
